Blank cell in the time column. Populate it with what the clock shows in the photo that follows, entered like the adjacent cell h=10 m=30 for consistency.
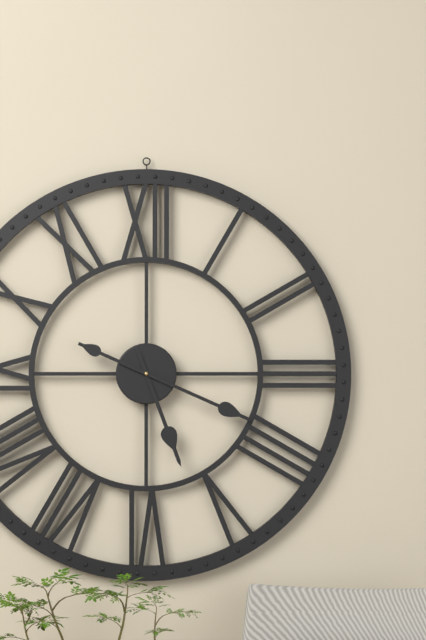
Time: h=5 m=19
